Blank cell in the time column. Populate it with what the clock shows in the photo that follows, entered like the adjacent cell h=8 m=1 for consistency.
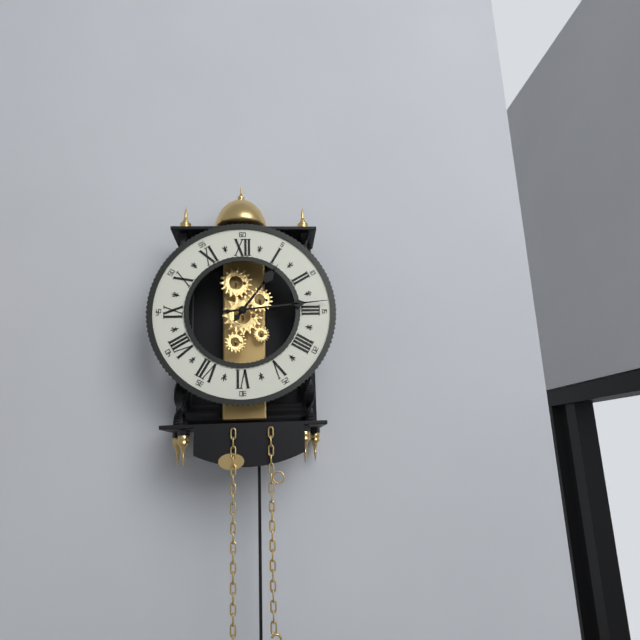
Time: h=1 m=14
